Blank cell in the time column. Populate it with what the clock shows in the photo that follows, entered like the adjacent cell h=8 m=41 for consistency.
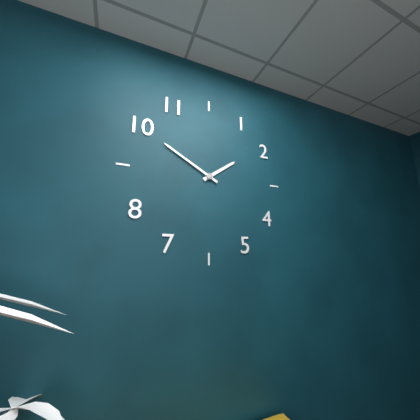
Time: h=1 m=50
